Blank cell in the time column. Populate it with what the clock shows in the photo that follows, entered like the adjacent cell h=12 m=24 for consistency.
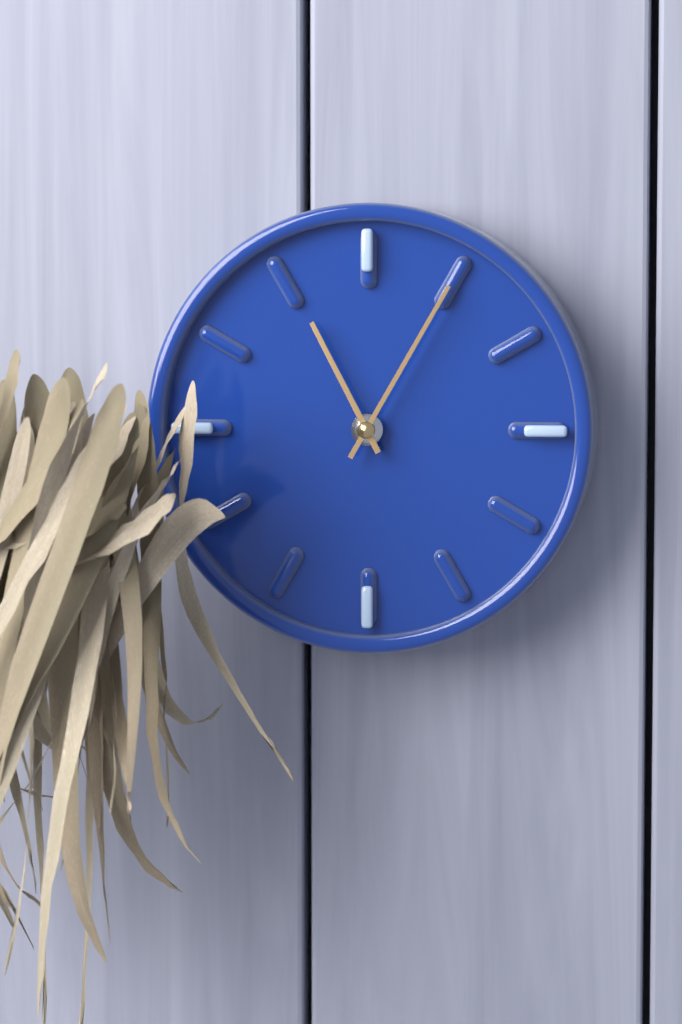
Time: h=11 m=5
